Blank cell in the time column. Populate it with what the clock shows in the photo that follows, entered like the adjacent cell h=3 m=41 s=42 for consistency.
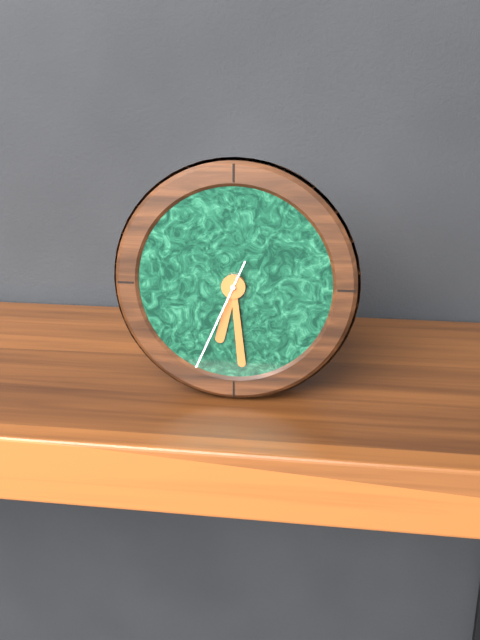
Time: h=6 m=29 s=34
